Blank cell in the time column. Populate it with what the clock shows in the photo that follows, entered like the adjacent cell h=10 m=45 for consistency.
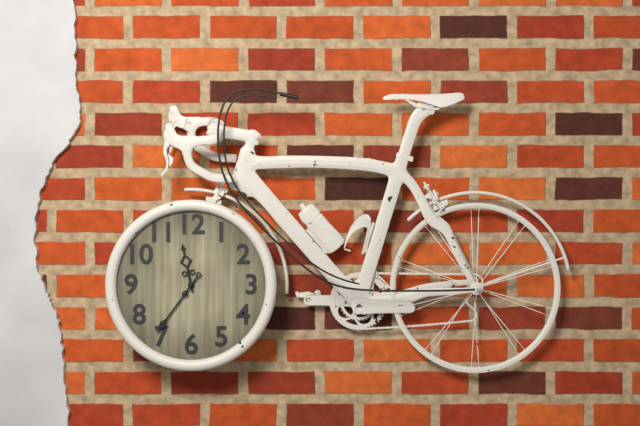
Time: h=11 m=36
